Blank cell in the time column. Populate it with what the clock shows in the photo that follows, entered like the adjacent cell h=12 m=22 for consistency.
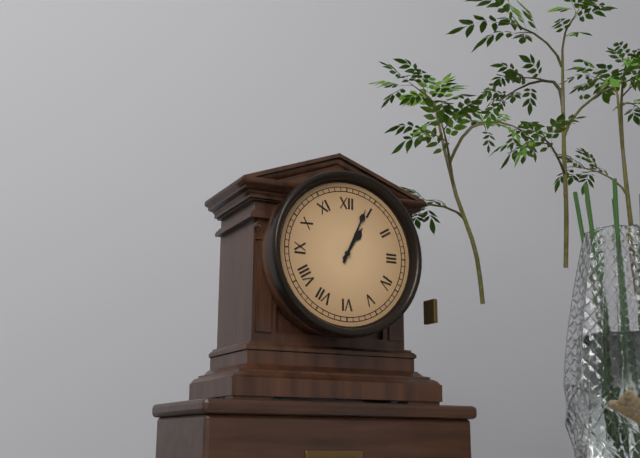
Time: h=1 m=4
